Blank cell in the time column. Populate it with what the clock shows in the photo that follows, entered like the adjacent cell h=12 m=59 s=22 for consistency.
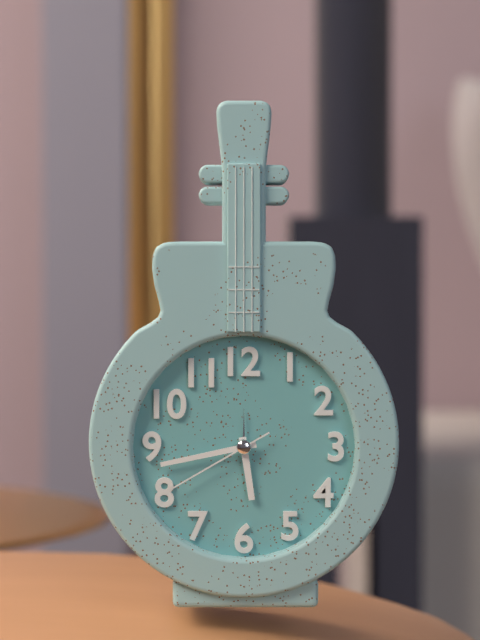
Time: h=5 m=43 s=40
